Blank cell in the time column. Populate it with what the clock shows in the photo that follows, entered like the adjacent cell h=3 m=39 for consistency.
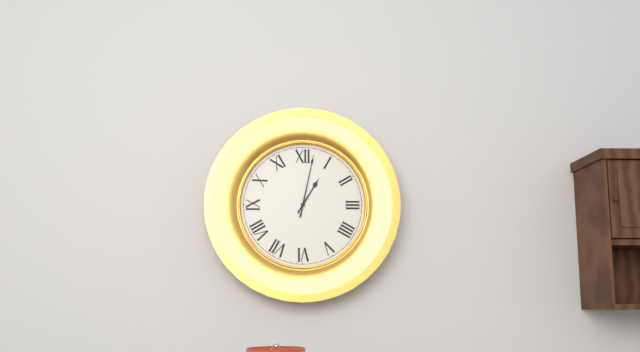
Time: h=1 m=2
